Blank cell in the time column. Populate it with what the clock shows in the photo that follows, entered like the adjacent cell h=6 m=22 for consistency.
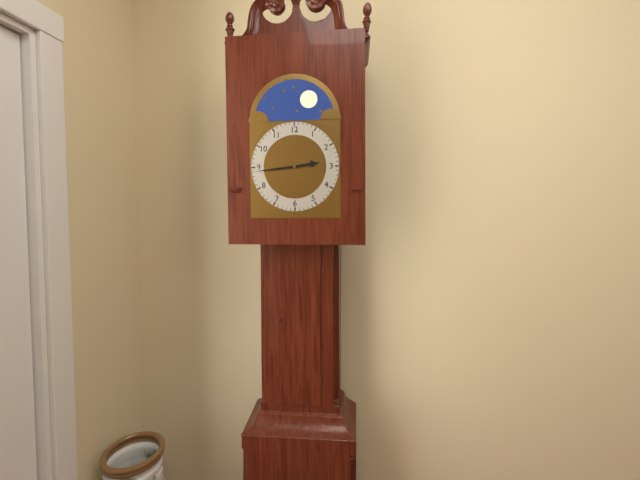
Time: h=2 m=44
